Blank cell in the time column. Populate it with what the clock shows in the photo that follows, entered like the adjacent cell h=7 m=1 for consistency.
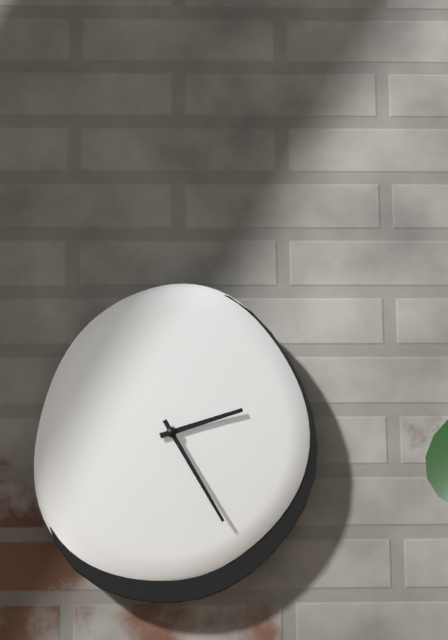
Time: h=2 m=25
